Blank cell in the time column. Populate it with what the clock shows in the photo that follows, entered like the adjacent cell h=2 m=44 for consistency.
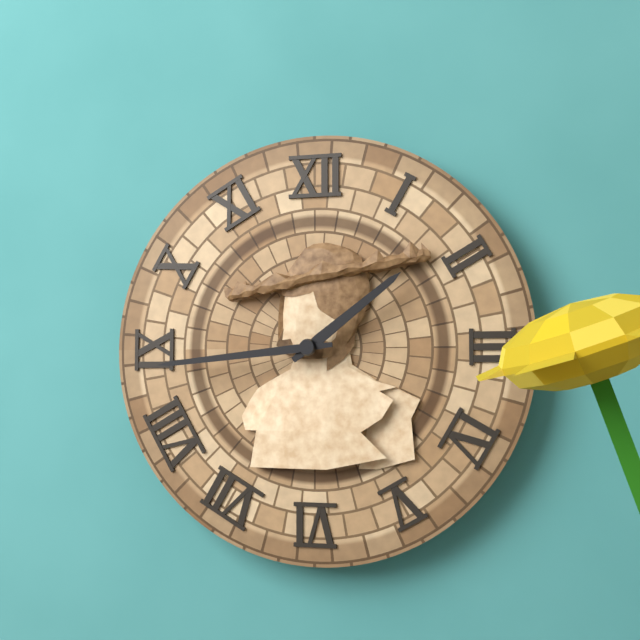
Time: h=1 m=44
